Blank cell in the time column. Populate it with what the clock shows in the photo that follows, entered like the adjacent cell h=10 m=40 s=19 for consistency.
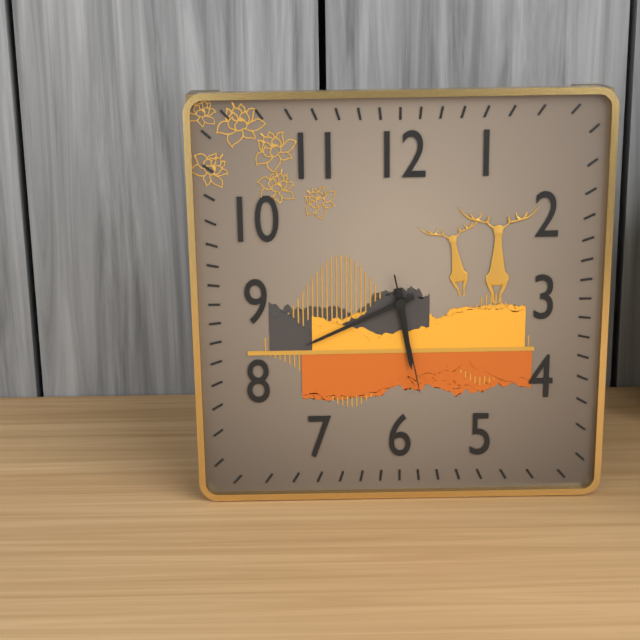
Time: h=5 m=41 s=28
